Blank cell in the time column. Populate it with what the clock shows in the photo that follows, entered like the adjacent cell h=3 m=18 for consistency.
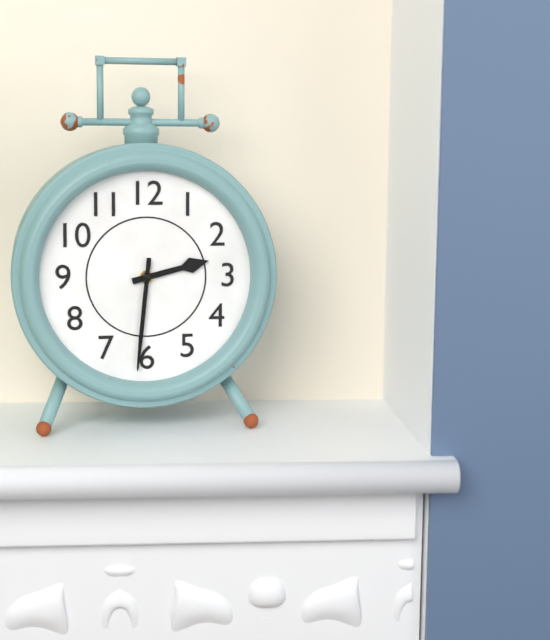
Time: h=2 m=31
